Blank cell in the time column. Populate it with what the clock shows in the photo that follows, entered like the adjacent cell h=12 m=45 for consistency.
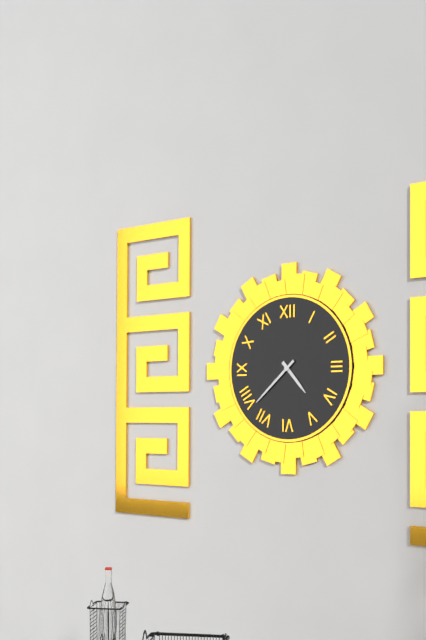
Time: h=4 m=38
